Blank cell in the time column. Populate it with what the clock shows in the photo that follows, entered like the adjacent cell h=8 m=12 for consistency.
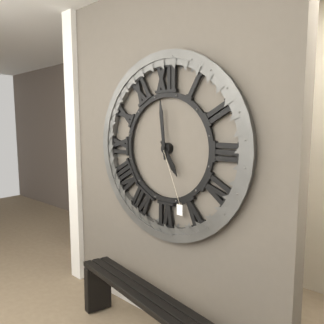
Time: h=4 m=59
